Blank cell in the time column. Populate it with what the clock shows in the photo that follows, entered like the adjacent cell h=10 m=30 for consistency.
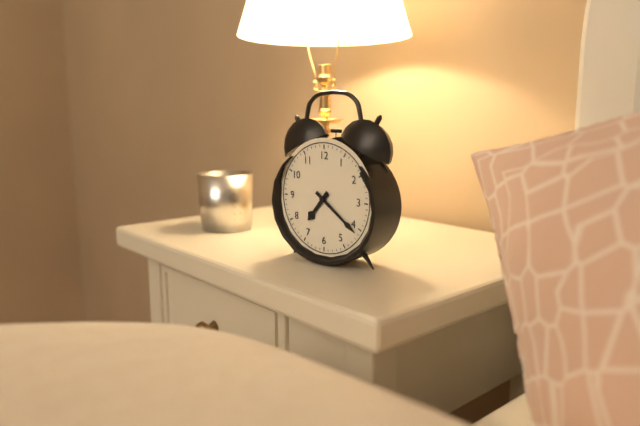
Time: h=7 m=21
